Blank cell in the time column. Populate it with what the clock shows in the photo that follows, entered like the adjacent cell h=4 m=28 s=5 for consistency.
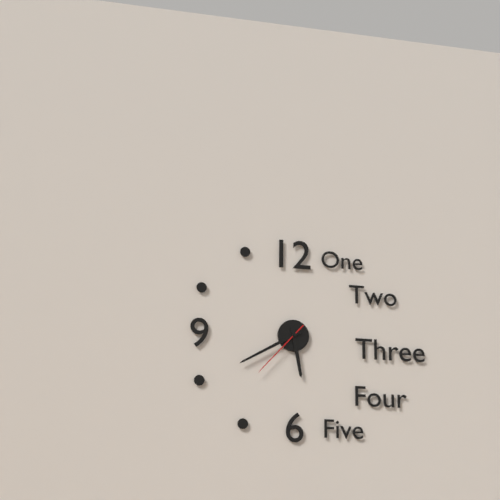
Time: h=5 m=40 s=37
